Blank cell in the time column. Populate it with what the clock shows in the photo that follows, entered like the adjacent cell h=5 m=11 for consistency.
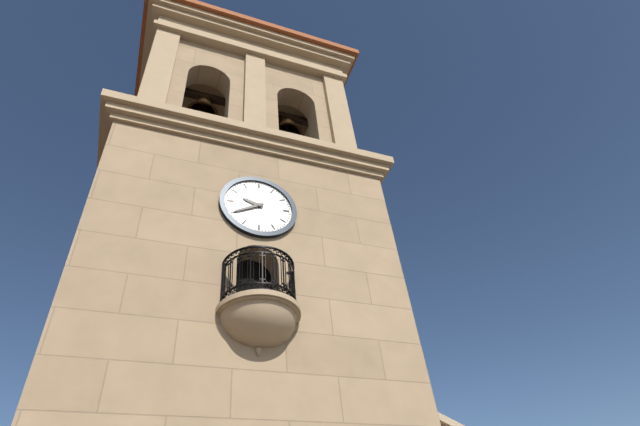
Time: h=9 m=40
